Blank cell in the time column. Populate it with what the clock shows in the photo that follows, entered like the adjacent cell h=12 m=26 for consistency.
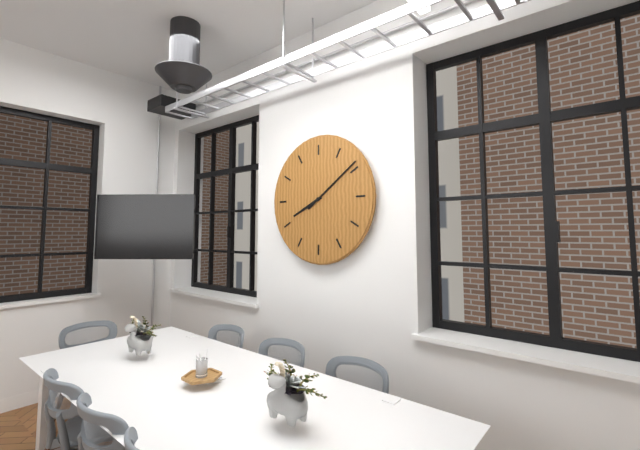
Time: h=8 m=9
